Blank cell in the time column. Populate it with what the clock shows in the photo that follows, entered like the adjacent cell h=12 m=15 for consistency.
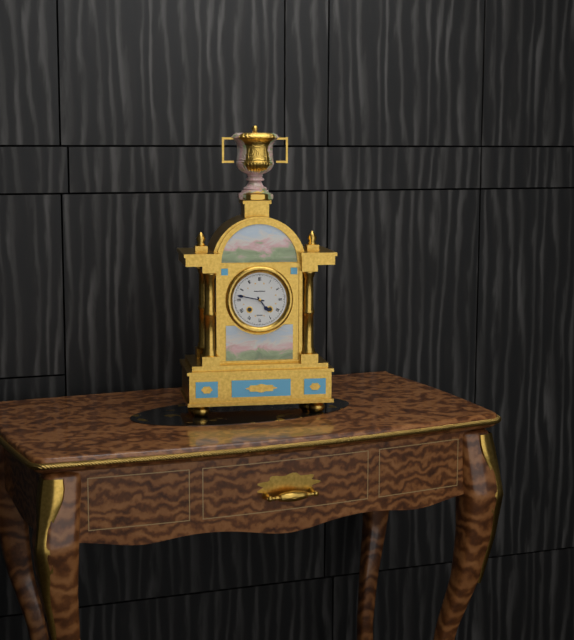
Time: h=4 m=47
